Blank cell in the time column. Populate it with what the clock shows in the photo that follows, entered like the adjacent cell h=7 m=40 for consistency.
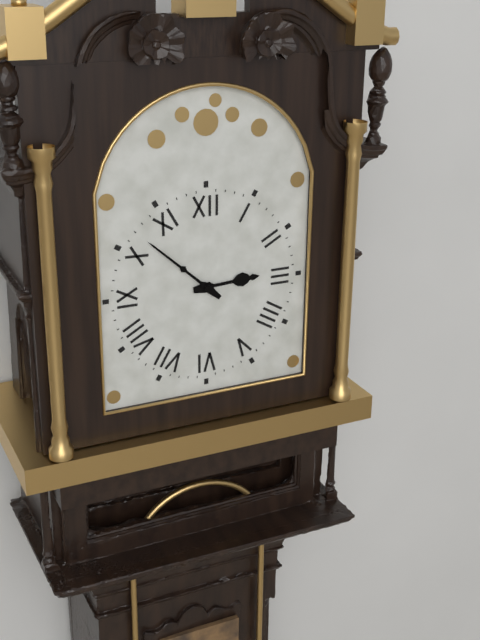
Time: h=2 m=52
